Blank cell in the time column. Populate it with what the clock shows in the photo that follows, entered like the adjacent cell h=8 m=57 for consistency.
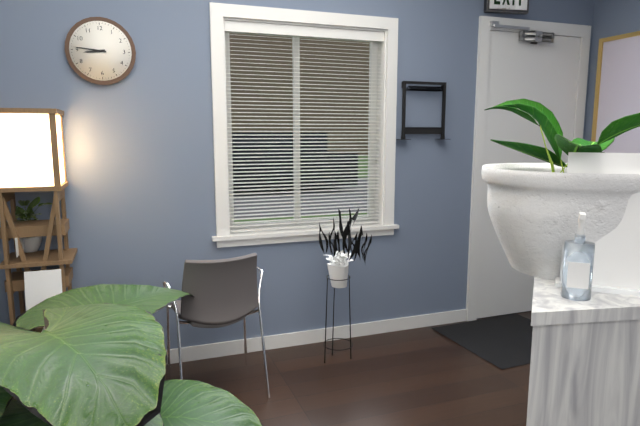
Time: h=8 m=46
